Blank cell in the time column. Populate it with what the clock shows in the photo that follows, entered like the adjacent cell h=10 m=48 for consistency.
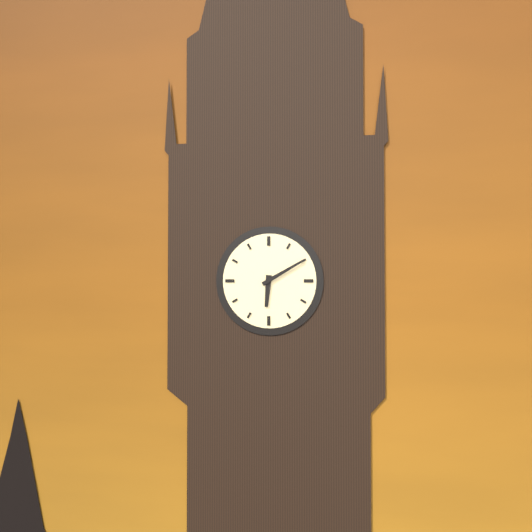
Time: h=6 m=10
